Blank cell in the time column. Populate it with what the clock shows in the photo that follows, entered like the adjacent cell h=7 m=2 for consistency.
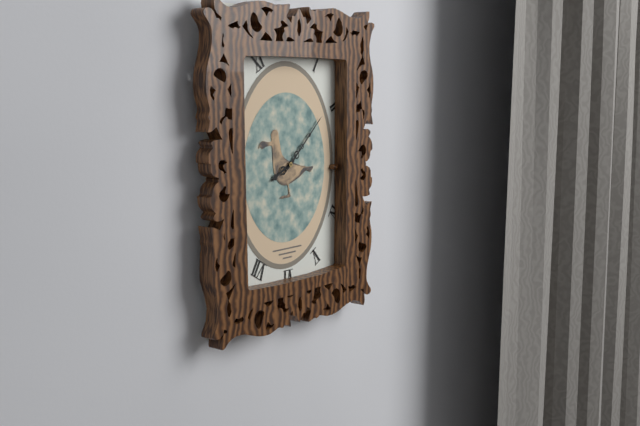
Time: h=8 m=8
